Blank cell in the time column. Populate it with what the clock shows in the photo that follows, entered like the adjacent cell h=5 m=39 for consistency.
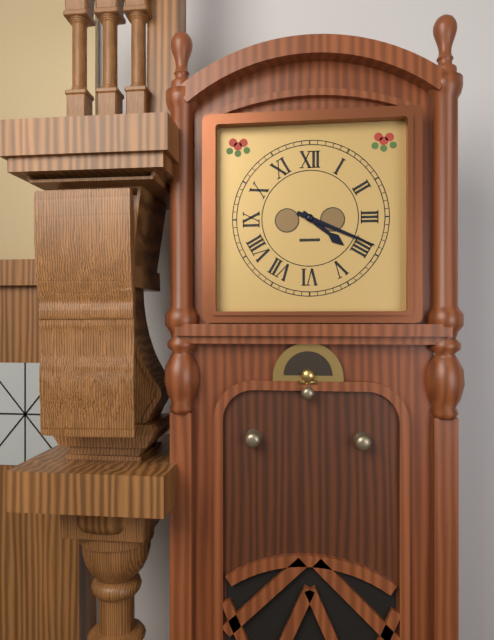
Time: h=4 m=19
